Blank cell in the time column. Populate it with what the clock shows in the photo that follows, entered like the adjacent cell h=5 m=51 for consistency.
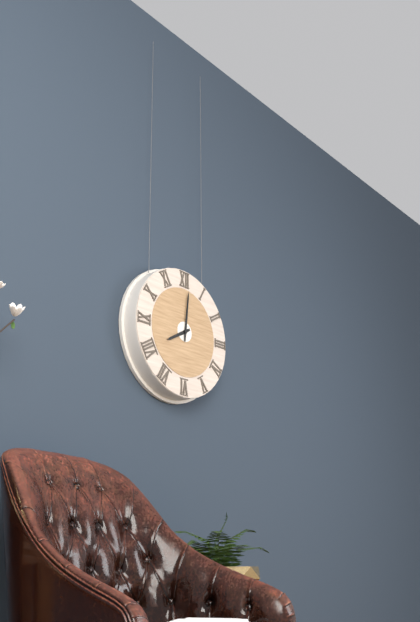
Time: h=8 m=1
